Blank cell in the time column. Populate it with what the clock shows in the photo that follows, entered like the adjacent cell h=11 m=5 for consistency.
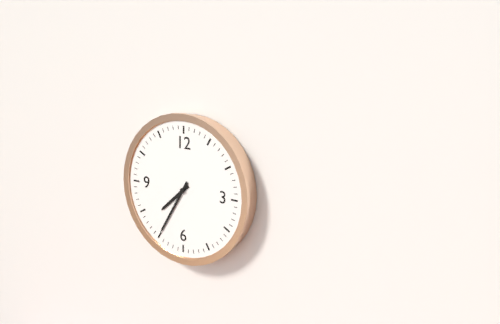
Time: h=7 m=35
